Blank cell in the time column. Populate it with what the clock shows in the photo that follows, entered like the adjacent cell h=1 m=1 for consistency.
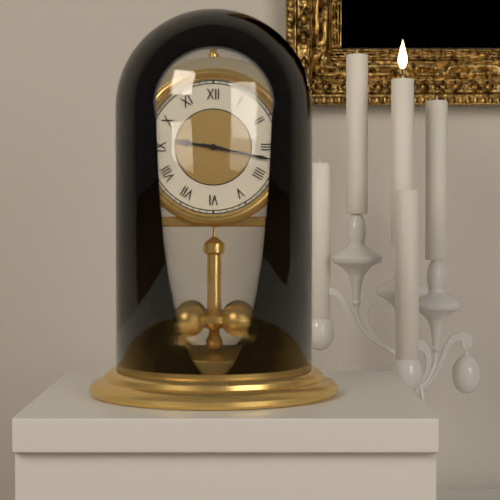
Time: h=9 m=17
